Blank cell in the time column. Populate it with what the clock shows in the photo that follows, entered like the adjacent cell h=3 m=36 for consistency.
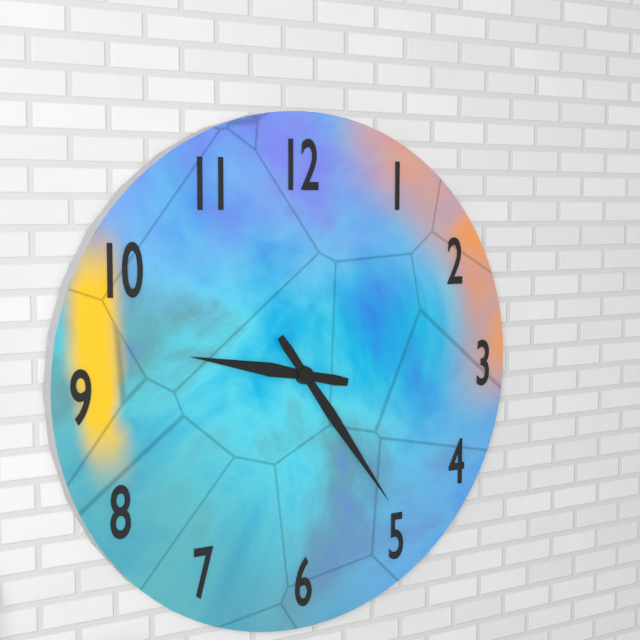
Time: h=9 m=24
